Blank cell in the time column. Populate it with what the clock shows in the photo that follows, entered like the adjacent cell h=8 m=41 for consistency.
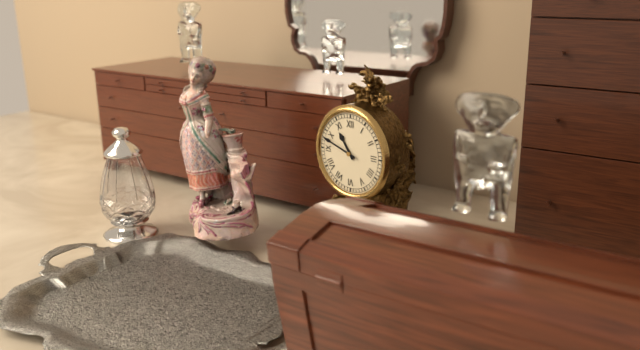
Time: h=10 m=48
